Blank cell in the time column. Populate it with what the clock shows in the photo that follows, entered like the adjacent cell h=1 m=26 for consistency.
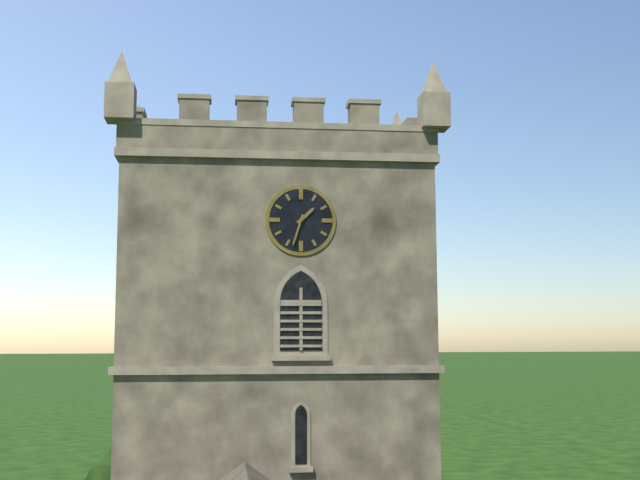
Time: h=1 m=33
